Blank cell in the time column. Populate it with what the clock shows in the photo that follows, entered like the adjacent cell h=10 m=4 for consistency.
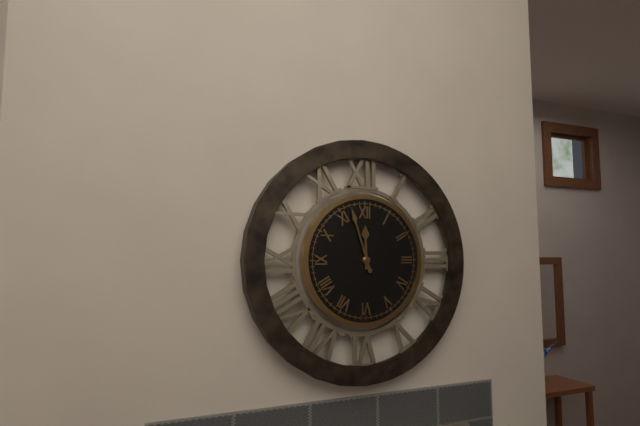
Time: h=11 m=57
